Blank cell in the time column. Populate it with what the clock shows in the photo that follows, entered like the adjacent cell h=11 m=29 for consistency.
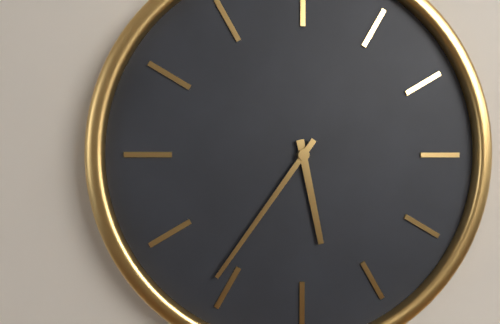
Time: h=5 m=36
